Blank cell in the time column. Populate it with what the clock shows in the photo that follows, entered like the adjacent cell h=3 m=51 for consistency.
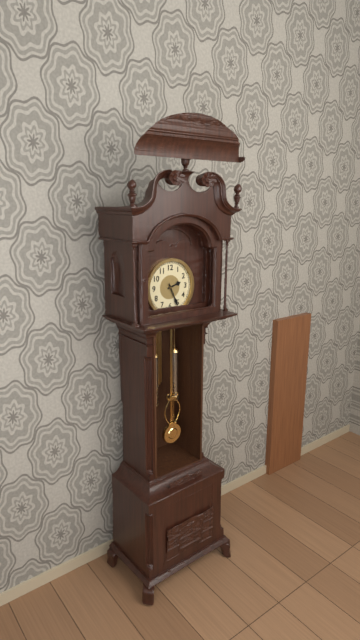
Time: h=2 m=26
